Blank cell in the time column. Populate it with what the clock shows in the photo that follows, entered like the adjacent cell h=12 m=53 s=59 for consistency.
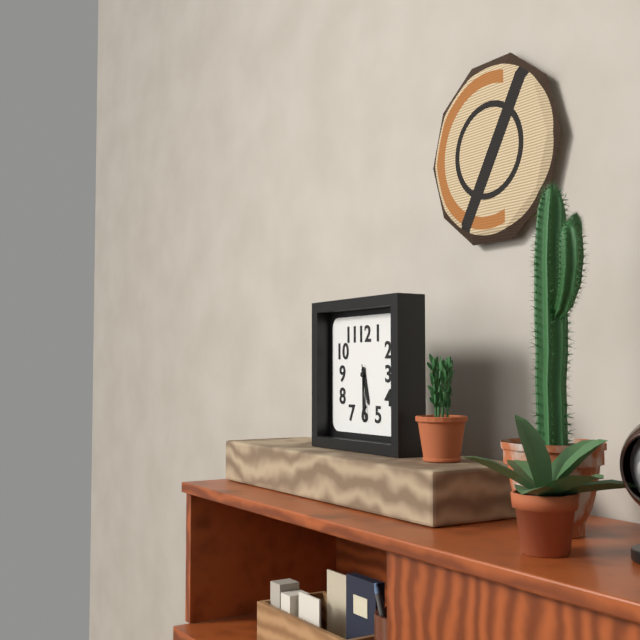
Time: h=5 m=30 s=29
